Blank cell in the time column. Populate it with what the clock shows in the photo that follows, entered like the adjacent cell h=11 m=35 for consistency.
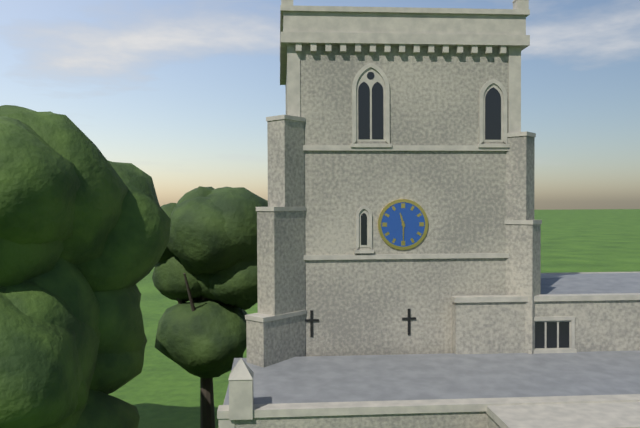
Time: h=11 m=30
